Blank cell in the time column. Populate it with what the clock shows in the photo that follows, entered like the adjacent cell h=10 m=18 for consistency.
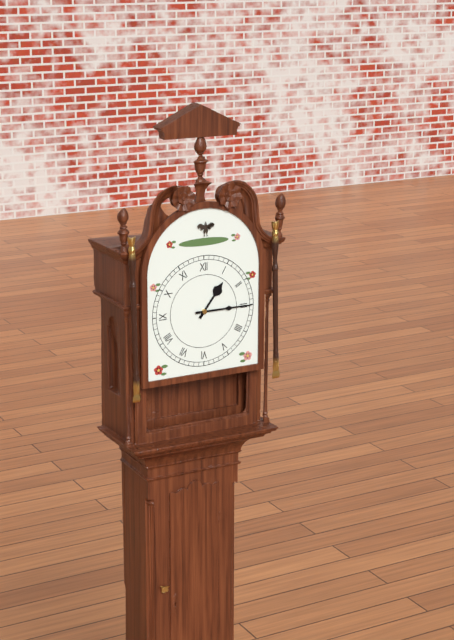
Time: h=1 m=15
